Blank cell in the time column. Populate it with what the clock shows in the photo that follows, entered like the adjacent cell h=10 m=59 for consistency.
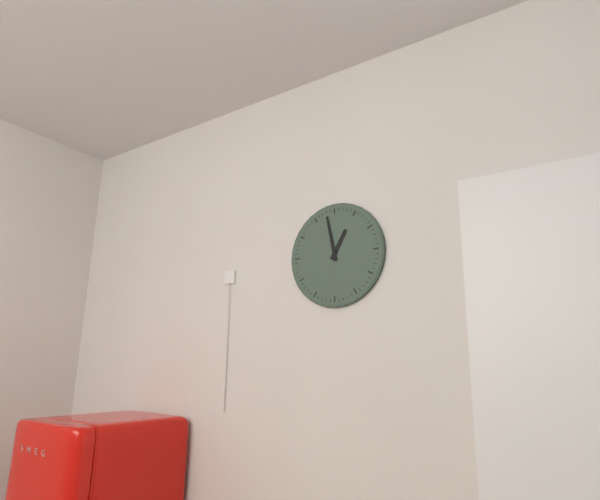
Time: h=12 m=58
